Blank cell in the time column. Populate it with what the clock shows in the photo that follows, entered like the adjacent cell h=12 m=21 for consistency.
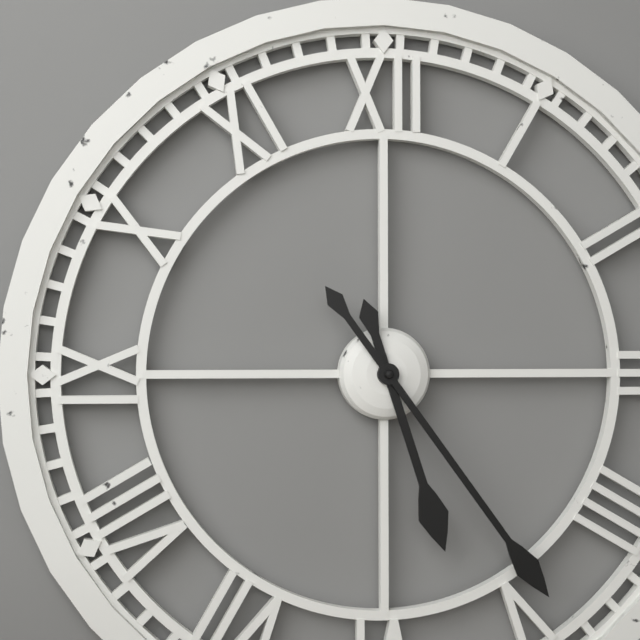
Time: h=5 m=24
